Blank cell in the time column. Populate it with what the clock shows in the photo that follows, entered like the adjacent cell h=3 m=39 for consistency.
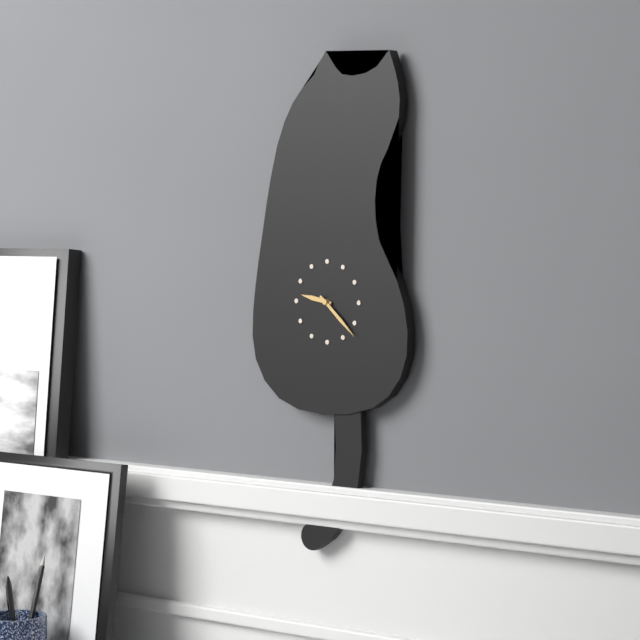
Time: h=9 m=22
